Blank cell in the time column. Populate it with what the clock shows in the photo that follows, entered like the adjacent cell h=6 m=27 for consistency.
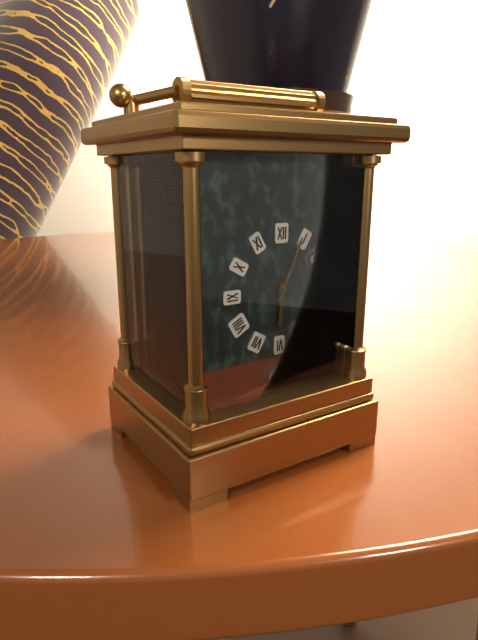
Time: h=6 m=4
